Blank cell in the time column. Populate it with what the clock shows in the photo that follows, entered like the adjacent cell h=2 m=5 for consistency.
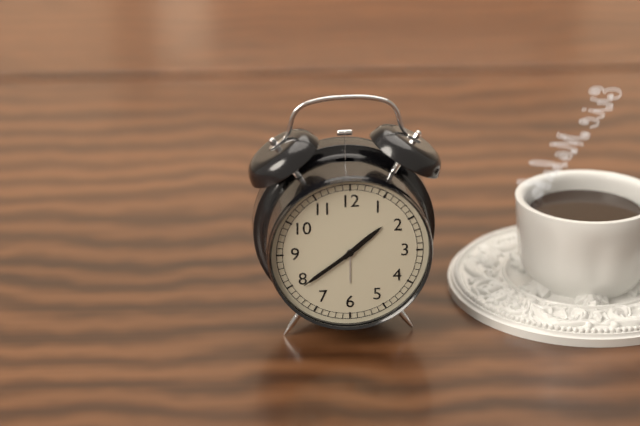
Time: h=1 m=39
